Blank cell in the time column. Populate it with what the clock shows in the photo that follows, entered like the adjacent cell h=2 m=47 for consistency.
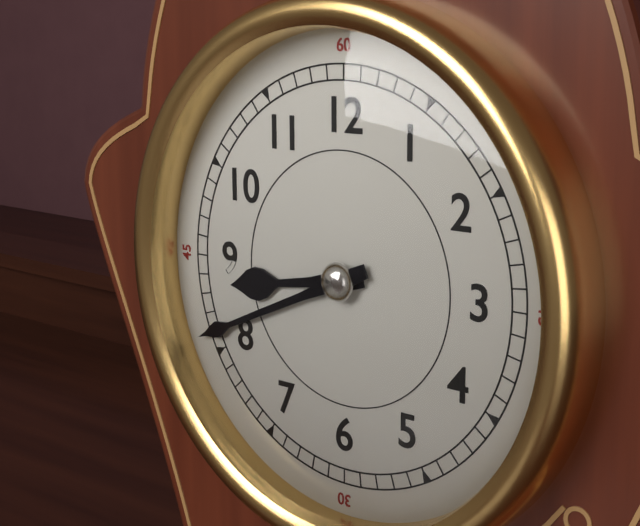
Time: h=8 m=41
